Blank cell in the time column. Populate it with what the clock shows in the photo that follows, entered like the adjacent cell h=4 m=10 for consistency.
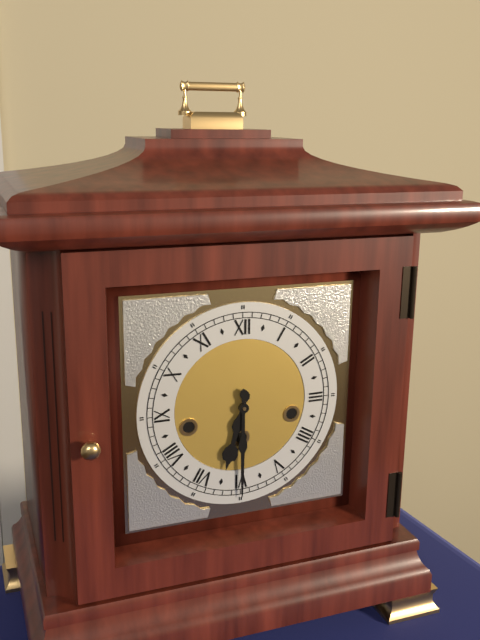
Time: h=6 m=30
